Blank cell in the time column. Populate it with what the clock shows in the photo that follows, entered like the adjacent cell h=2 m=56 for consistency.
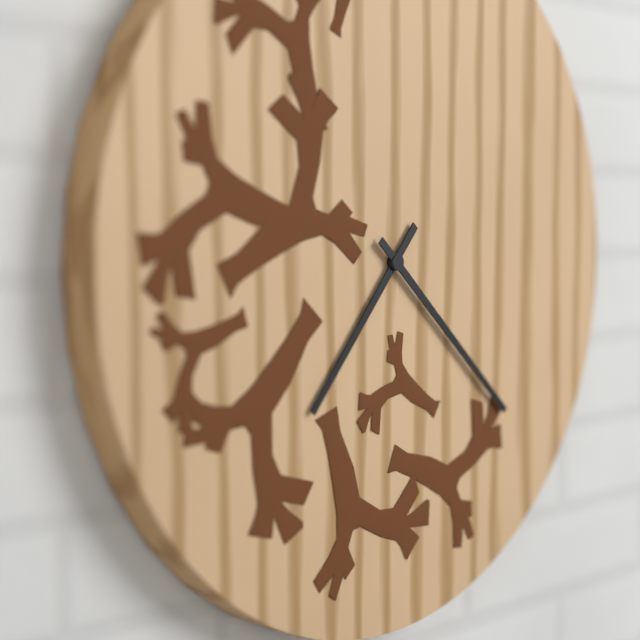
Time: h=7 m=22
